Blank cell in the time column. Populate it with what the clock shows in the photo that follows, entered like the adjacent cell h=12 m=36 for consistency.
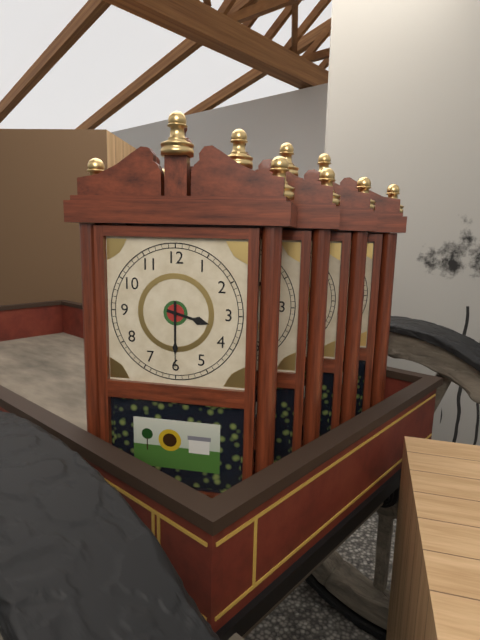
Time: h=3 m=30
